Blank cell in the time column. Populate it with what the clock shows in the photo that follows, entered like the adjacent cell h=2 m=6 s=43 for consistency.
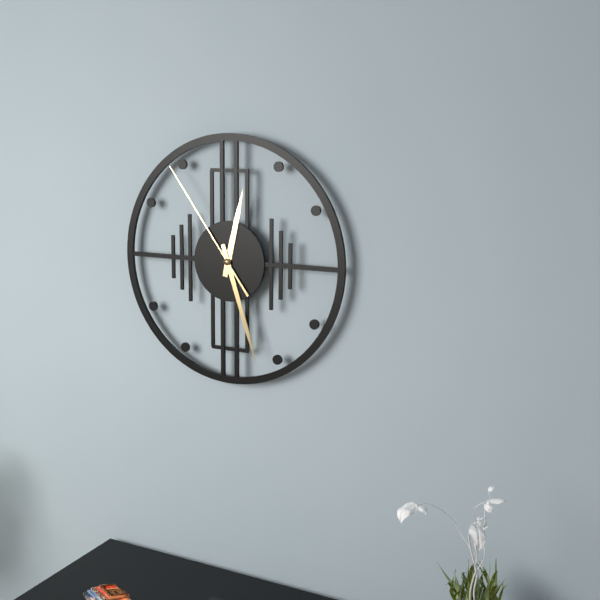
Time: h=12 m=27 s=54
